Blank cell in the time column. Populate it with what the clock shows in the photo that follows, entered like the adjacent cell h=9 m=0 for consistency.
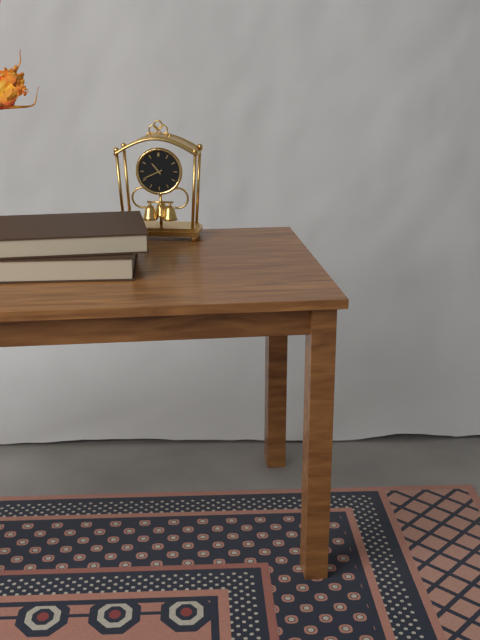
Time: h=10 m=41
